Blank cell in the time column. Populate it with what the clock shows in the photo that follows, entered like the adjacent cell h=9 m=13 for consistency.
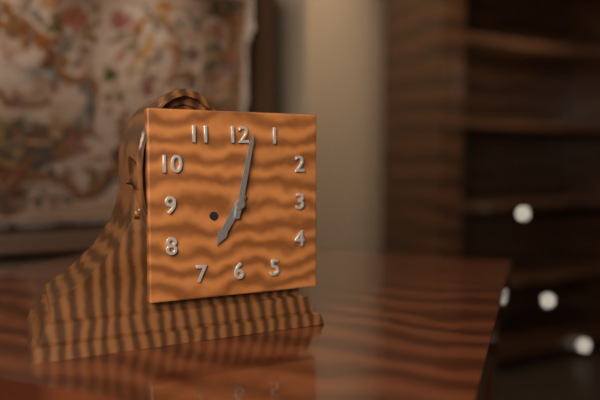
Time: h=7 m=2
